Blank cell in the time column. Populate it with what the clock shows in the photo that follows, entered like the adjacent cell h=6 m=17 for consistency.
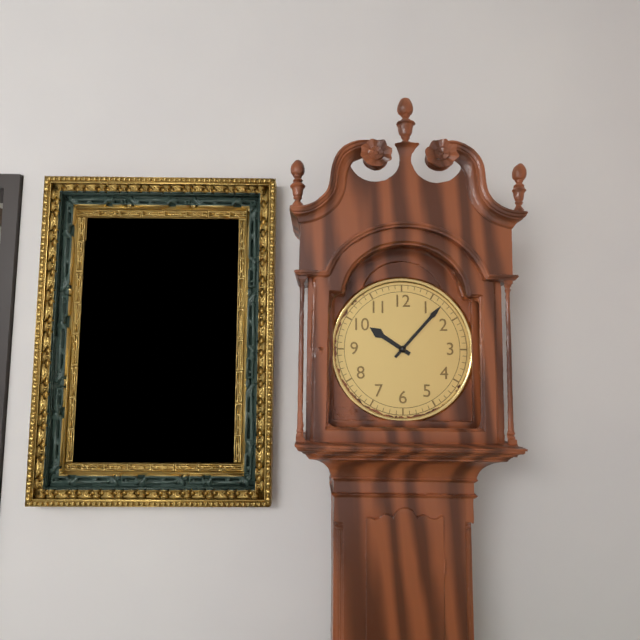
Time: h=10 m=7
